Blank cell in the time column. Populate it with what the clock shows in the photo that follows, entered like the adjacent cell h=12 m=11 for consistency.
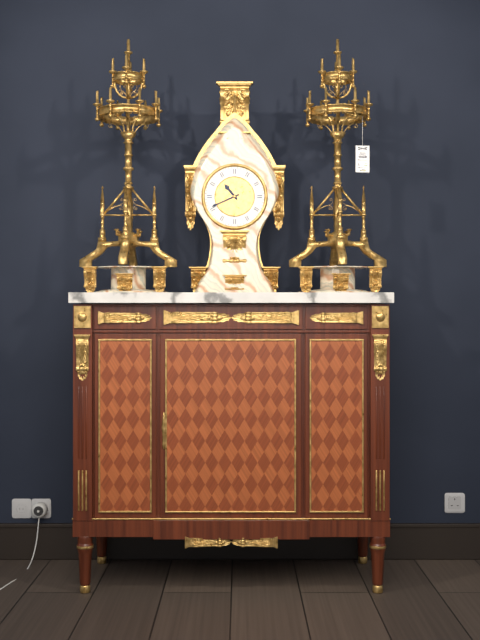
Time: h=10 m=41
